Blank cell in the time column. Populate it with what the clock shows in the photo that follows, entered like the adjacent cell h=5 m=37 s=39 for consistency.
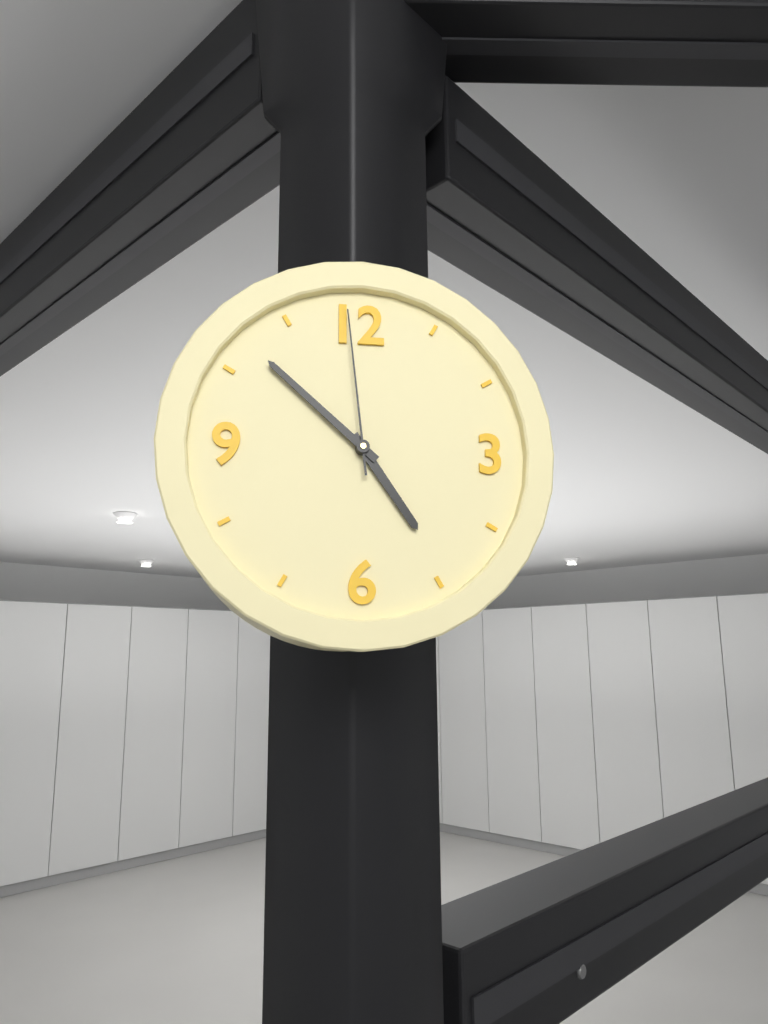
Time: h=4 m=52 s=59
